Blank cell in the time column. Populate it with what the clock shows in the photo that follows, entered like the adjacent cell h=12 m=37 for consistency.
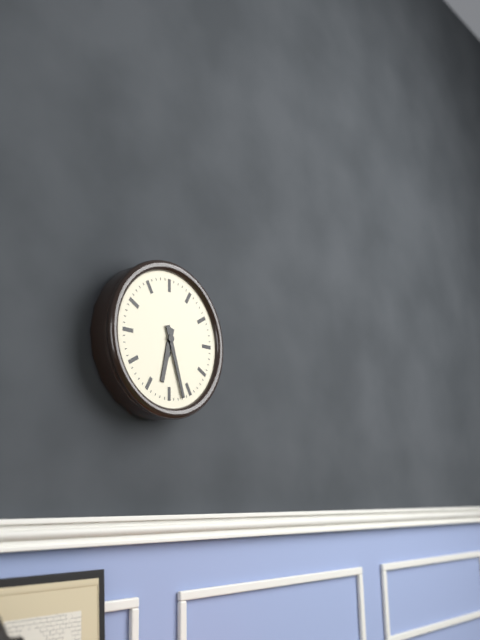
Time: h=6 m=27
